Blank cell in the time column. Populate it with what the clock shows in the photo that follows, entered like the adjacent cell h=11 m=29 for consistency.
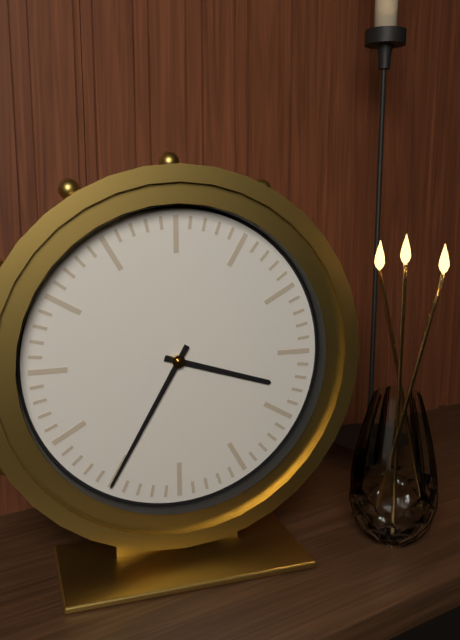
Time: h=3 m=35
